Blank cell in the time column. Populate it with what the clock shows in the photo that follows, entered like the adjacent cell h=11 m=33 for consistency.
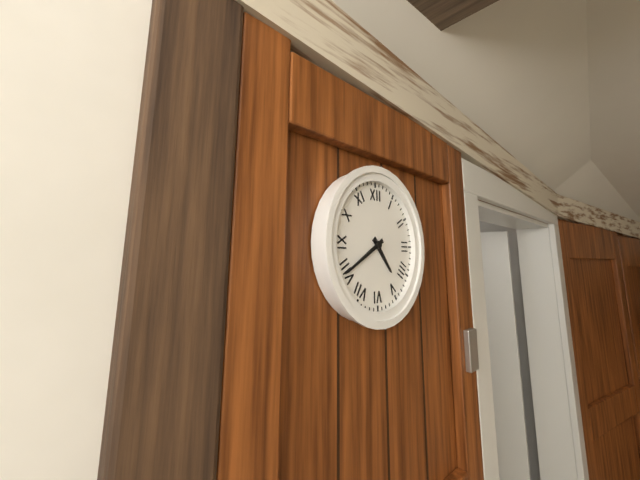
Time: h=4 m=40
